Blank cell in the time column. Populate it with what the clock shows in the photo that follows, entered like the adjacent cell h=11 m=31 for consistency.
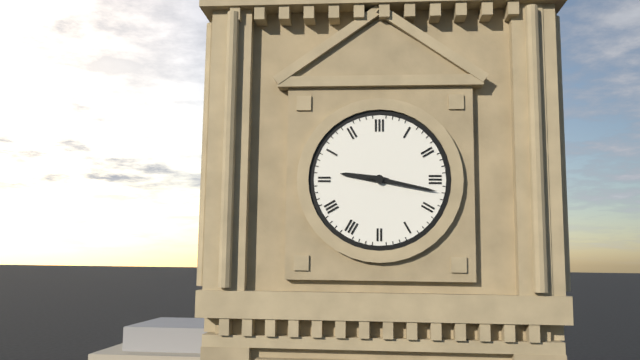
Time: h=9 m=17
